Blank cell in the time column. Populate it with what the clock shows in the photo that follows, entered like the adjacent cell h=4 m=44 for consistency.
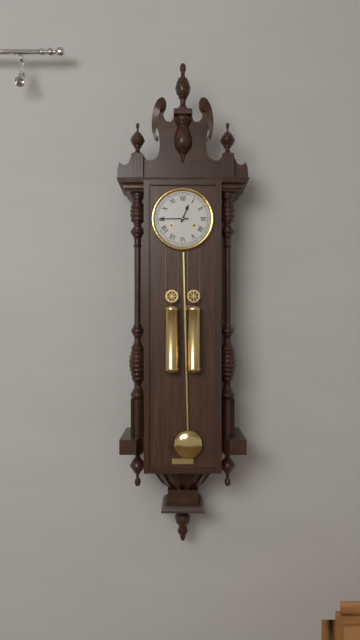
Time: h=12 m=45
